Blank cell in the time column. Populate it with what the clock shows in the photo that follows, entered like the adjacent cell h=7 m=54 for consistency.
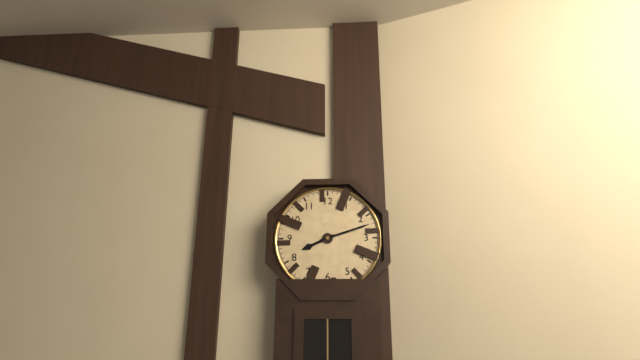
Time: h=8 m=12
